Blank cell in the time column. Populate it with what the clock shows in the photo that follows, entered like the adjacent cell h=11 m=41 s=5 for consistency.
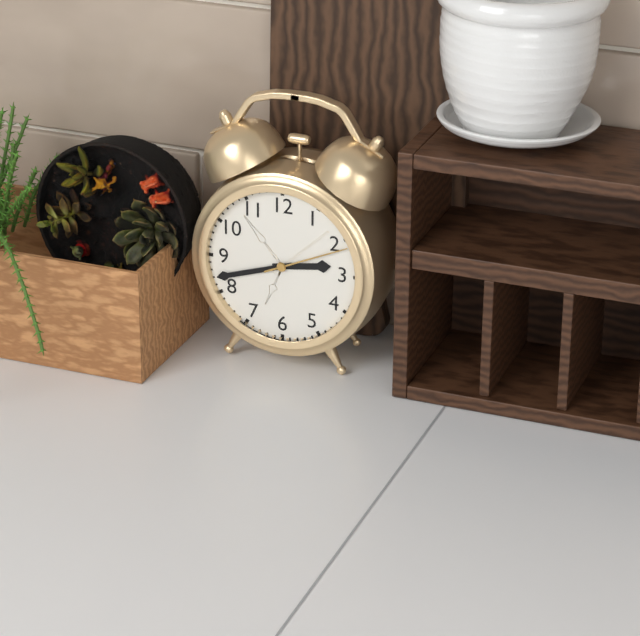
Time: h=2 m=42 s=11
